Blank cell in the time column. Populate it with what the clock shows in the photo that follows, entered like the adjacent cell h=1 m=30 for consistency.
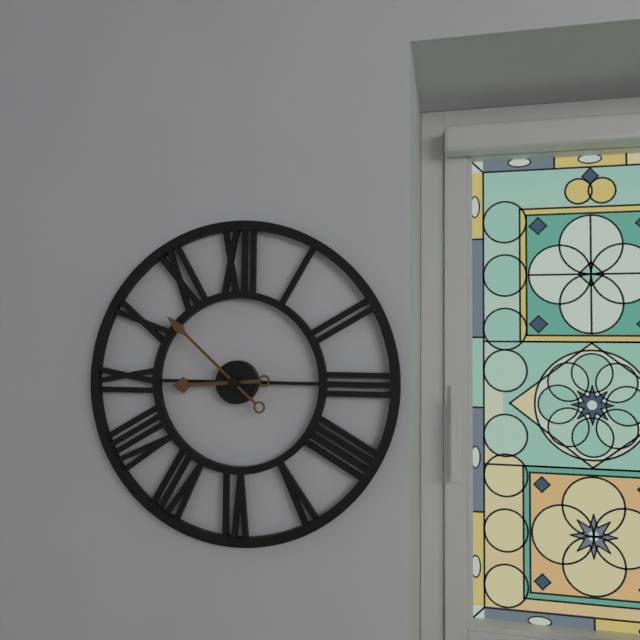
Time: h=8 m=52
